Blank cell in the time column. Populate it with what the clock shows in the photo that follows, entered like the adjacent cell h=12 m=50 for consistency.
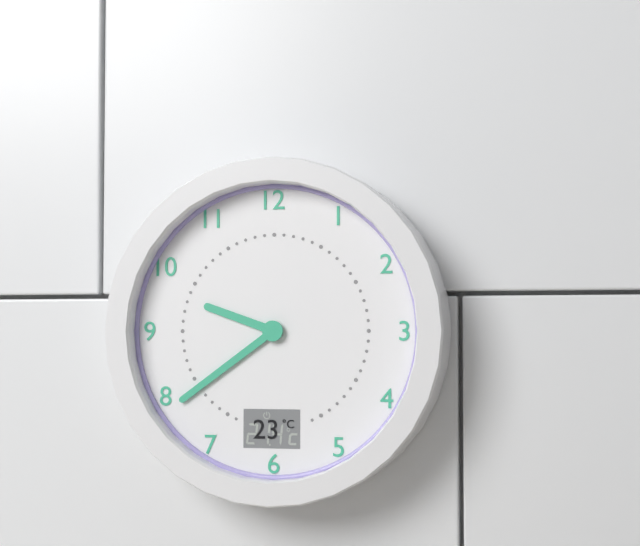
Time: h=9 m=39
